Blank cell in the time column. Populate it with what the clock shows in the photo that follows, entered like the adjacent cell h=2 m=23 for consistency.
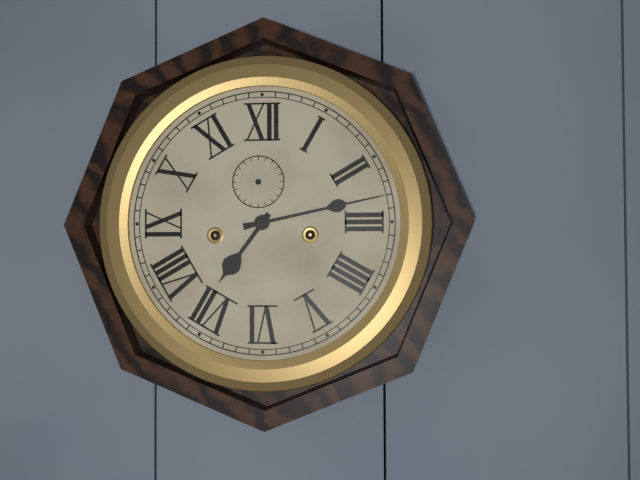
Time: h=7 m=13
